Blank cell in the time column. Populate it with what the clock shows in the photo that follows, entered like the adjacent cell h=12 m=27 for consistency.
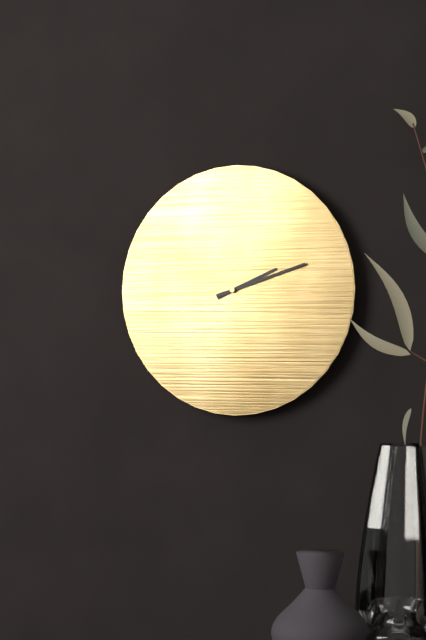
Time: h=2 m=12
